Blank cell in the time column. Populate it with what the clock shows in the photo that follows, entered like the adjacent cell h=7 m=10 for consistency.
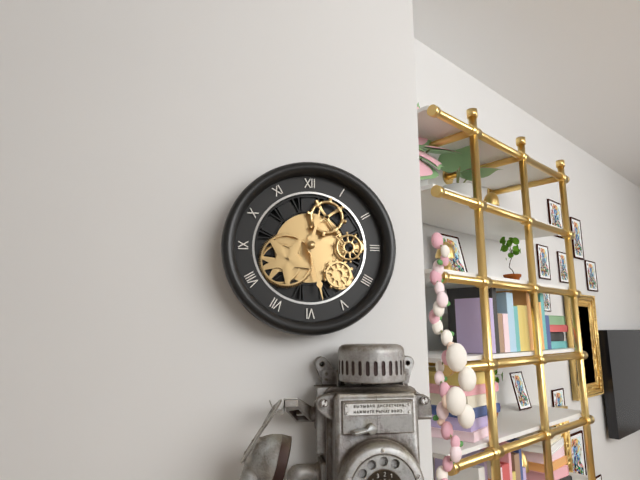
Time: h=12 m=28
